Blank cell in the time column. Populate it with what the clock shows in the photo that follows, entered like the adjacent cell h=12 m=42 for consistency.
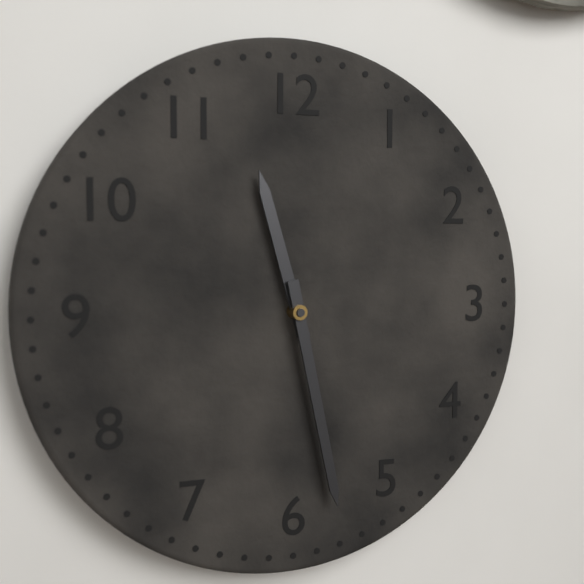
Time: h=11 m=28
